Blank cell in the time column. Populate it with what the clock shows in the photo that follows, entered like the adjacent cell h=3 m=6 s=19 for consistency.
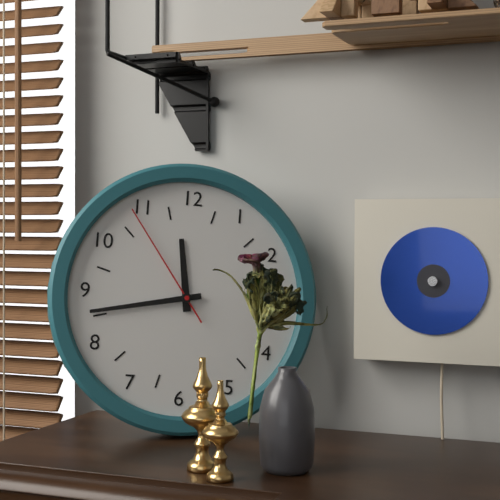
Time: h=11 m=43 s=54
